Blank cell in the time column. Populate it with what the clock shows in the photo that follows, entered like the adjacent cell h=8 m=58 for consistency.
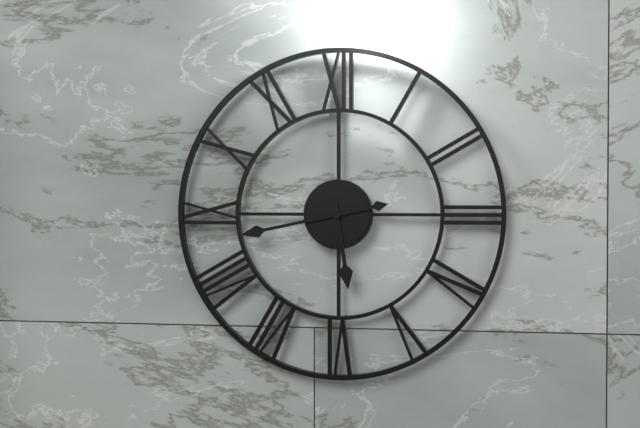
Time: h=5 m=43
